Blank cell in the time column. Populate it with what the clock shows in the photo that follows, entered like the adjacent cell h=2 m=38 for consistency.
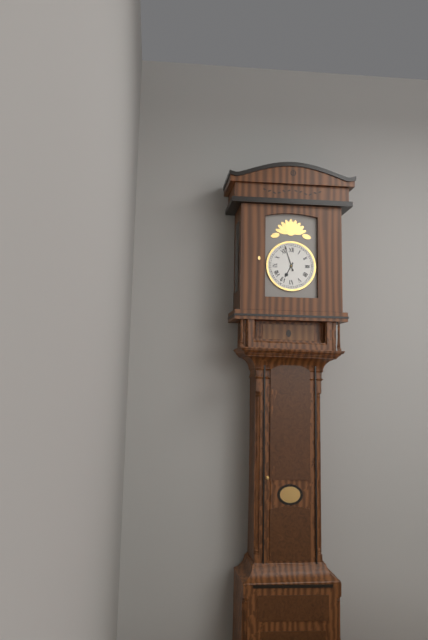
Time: h=6 m=57
